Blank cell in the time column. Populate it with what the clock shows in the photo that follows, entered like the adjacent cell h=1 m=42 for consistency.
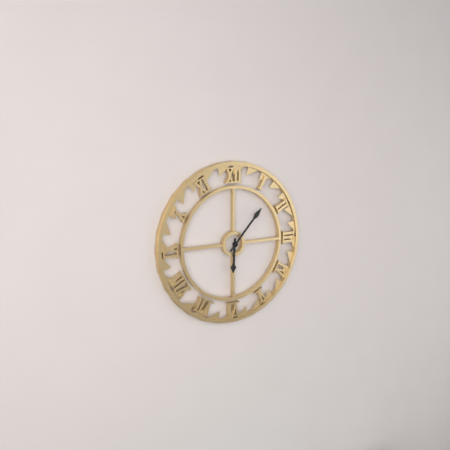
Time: h=6 m=7
